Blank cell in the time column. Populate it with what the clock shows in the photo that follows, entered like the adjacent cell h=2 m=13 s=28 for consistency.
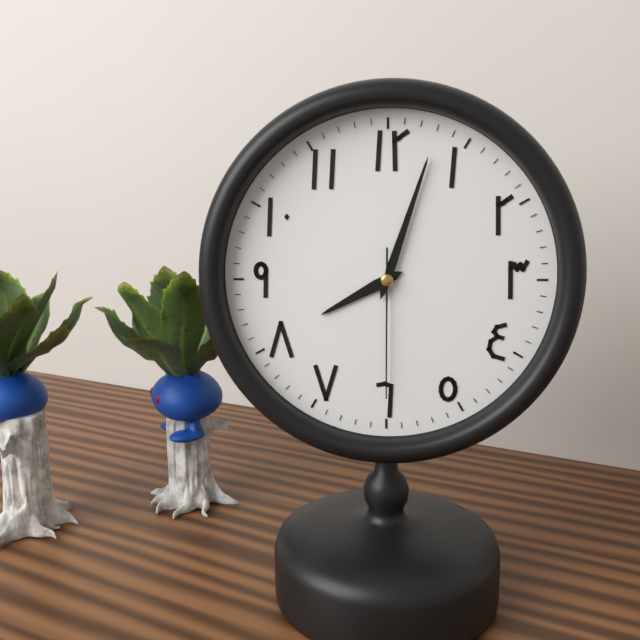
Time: h=8 m=3 s=30
